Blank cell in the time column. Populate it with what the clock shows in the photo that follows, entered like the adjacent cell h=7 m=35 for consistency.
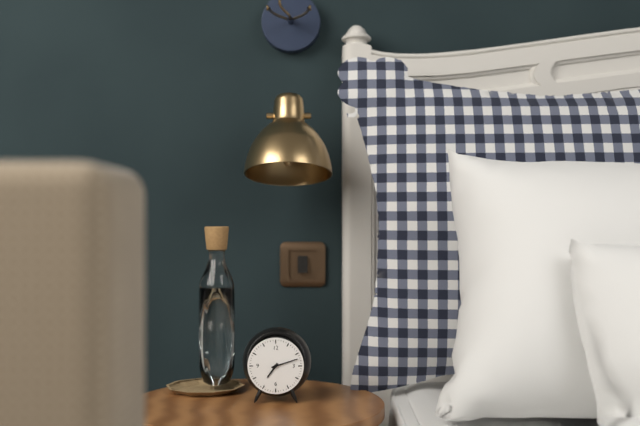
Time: h=7 m=12
